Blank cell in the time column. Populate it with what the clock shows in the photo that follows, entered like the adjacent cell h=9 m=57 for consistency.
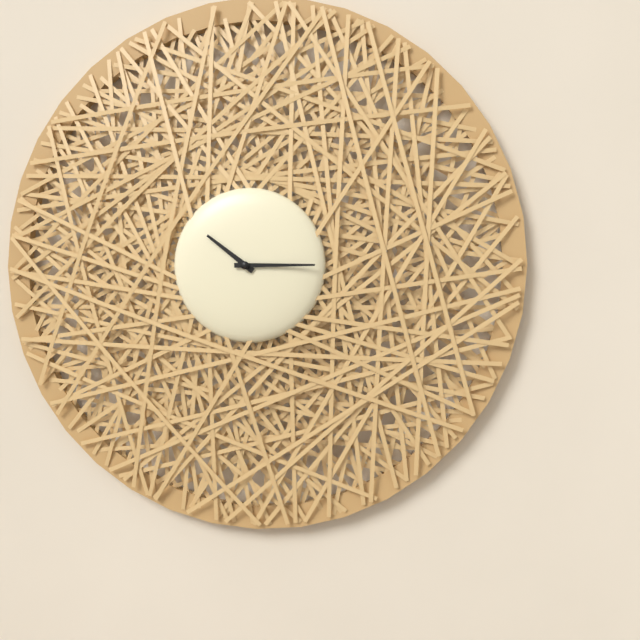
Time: h=10 m=15
